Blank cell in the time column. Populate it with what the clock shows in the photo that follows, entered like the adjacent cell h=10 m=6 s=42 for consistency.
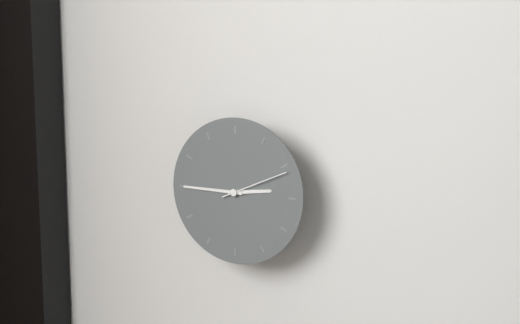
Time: h=2 m=45 s=11
